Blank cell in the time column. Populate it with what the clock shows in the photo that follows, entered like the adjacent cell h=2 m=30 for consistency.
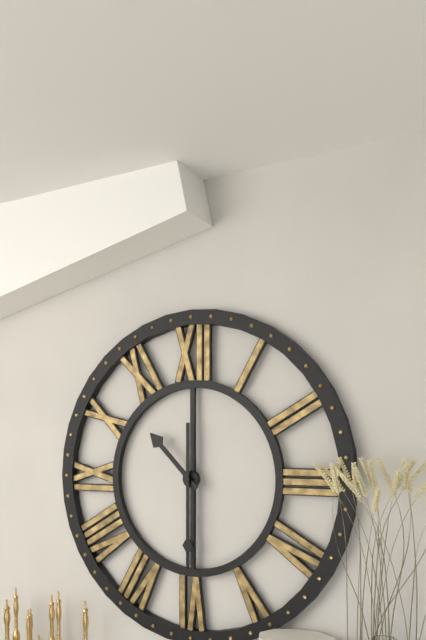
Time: h=10 m=30
